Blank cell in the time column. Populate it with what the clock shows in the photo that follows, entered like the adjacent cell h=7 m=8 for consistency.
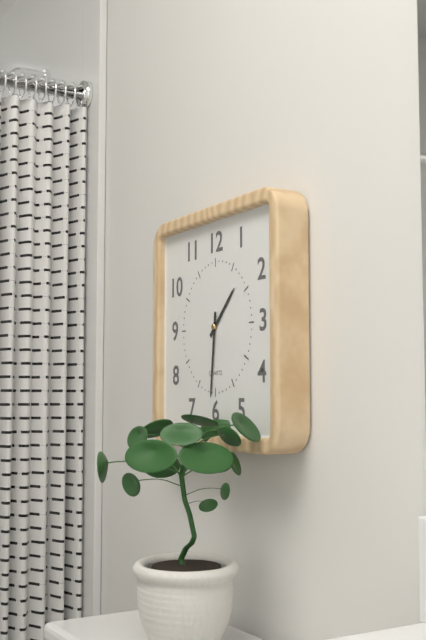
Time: h=1 m=31
